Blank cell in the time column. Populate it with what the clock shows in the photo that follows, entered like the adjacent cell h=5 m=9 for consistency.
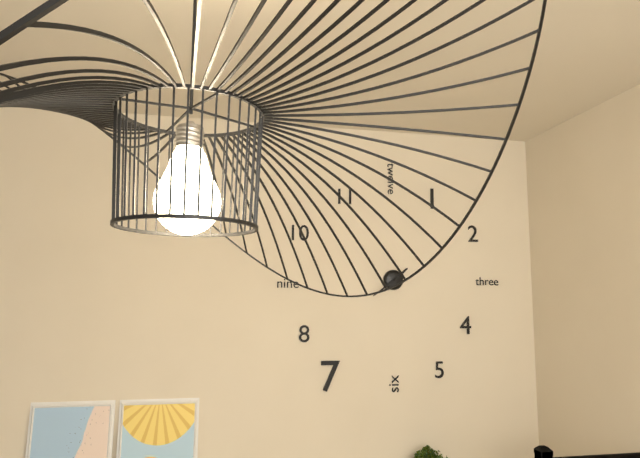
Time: h=1 m=39
